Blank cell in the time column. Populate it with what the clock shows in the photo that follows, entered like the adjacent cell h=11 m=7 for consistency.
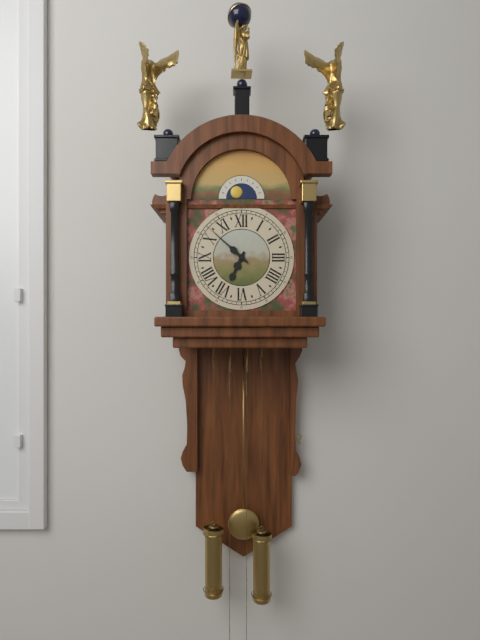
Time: h=6 m=52
